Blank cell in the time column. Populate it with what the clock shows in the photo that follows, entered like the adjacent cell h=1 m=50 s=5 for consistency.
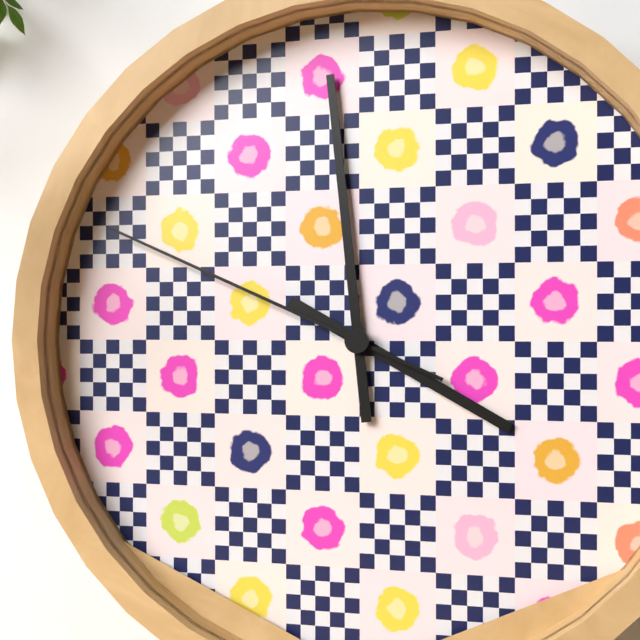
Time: h=3 m=59 s=49
